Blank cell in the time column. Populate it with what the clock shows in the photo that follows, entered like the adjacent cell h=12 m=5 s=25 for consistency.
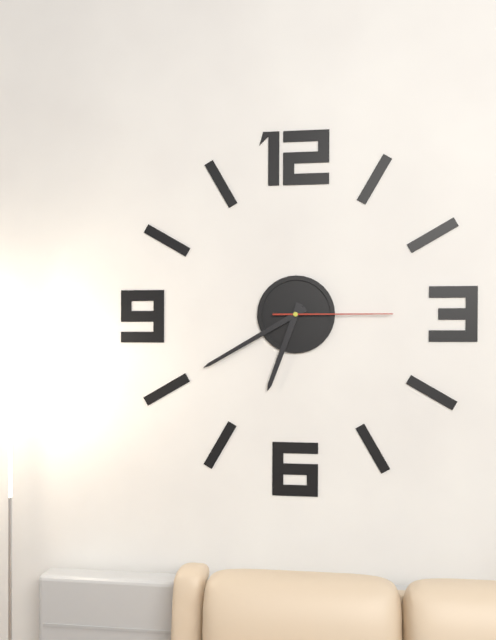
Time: h=6 m=40 s=15
